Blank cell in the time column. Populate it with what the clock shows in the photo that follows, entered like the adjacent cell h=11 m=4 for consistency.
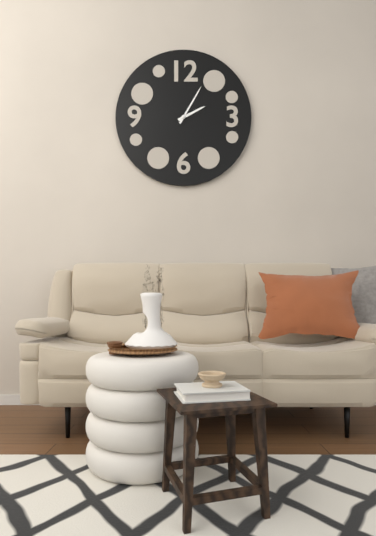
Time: h=2 m=5
